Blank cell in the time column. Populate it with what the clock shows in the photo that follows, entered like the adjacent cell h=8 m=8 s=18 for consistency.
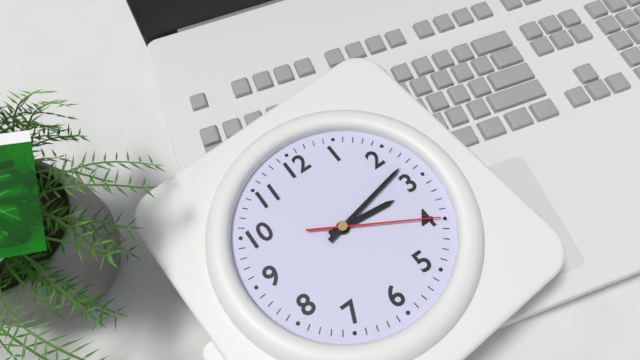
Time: h=3 m=13 s=20
